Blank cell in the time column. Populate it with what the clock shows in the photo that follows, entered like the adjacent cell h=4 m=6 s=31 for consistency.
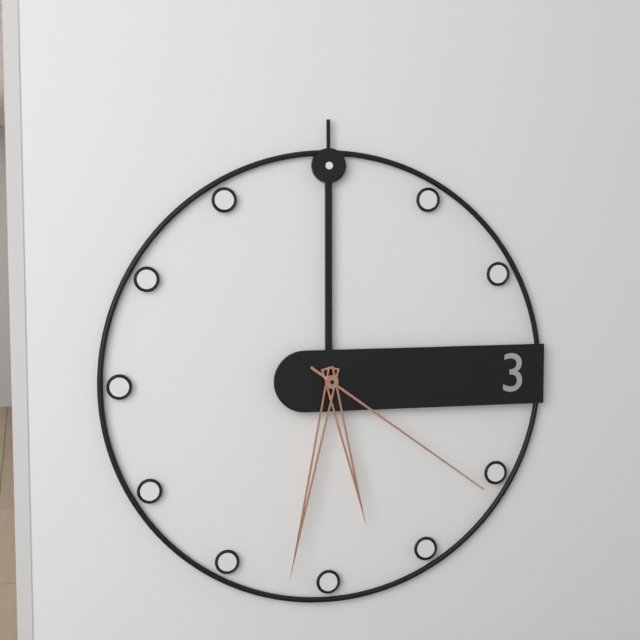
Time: h=5 m=32 s=21
